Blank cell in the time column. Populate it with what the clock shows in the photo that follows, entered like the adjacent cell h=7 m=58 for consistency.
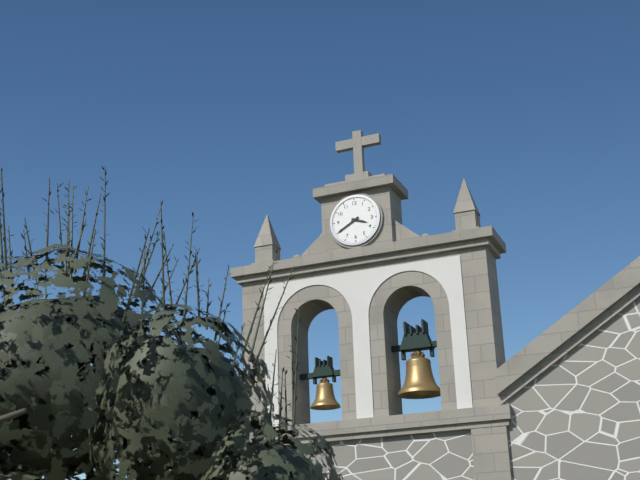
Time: h=3 m=40
